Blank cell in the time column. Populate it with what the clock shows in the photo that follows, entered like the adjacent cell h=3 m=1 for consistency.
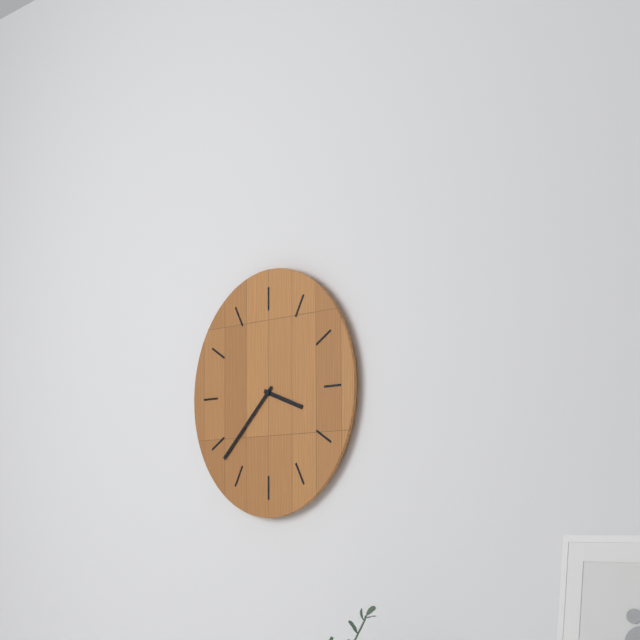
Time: h=3 m=38
